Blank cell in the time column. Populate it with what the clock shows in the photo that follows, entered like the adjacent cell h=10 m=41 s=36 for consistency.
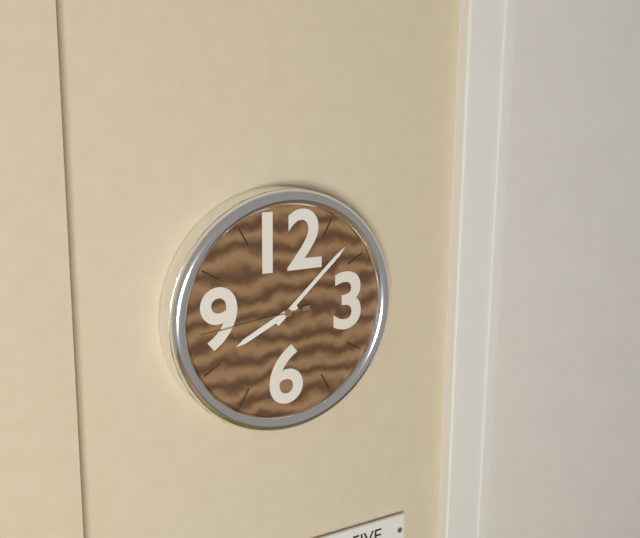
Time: h=8 m=8 s=44
